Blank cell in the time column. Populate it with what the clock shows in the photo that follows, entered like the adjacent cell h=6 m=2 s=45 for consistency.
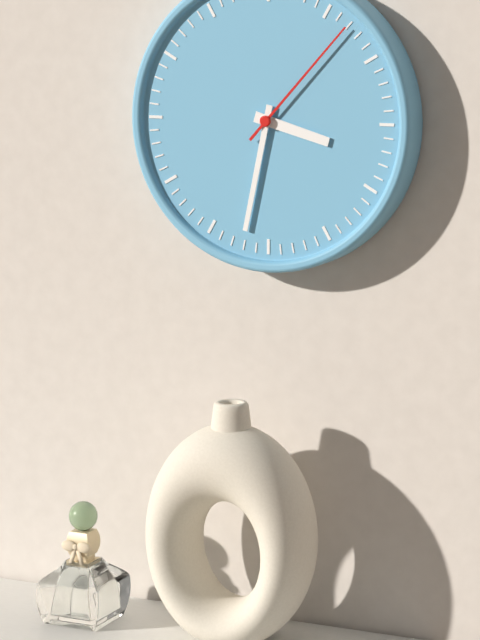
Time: h=3 m=32 s=7
